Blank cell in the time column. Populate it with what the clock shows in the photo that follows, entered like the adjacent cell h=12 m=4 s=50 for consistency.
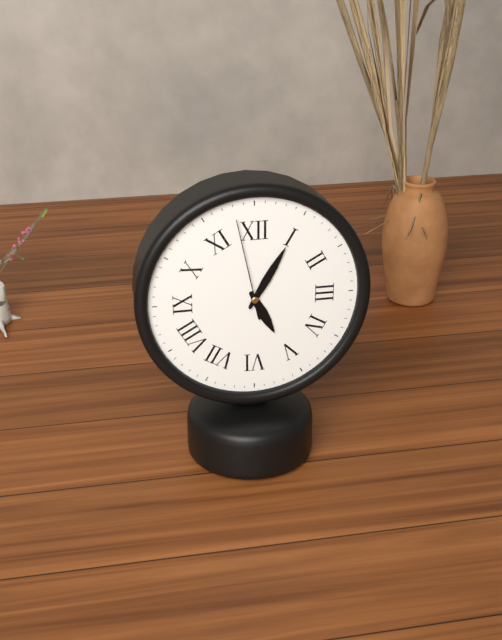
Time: h=5 m=5 s=58
